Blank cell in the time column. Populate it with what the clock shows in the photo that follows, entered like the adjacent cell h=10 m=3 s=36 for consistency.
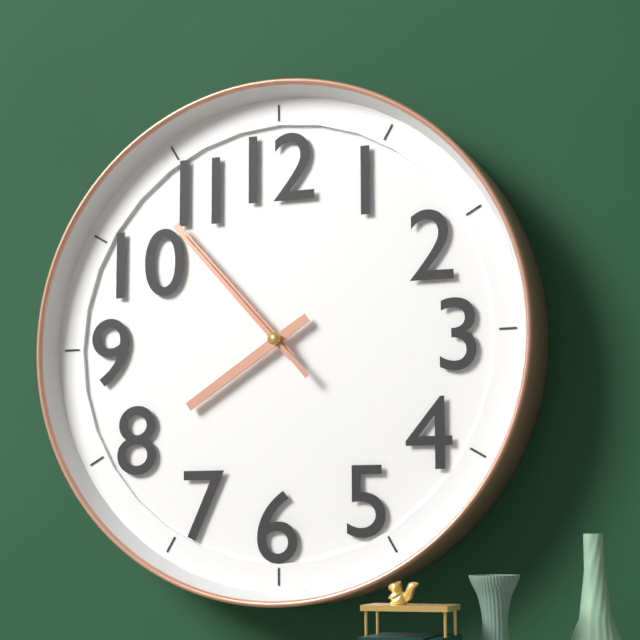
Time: h=7 m=53 s=53
